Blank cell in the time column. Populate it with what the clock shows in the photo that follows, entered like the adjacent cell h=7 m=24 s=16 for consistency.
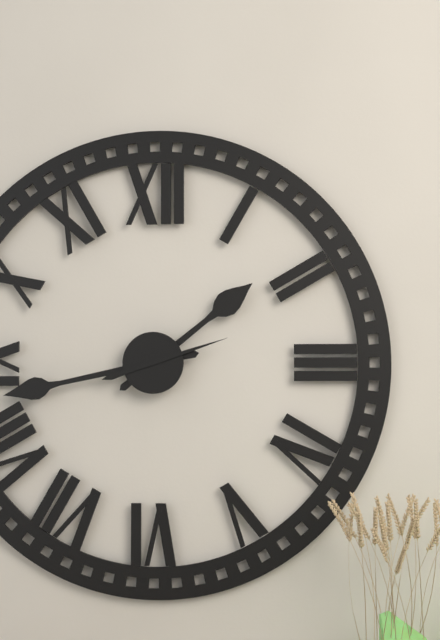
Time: h=1 m=43 s=12
